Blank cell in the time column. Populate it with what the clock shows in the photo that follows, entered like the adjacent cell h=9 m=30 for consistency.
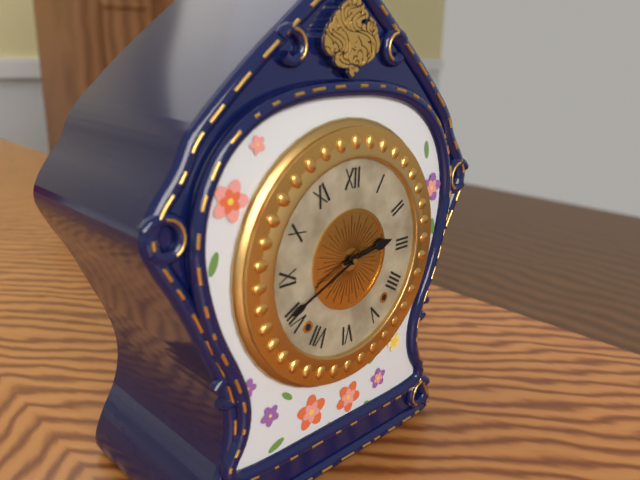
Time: h=2 m=41
